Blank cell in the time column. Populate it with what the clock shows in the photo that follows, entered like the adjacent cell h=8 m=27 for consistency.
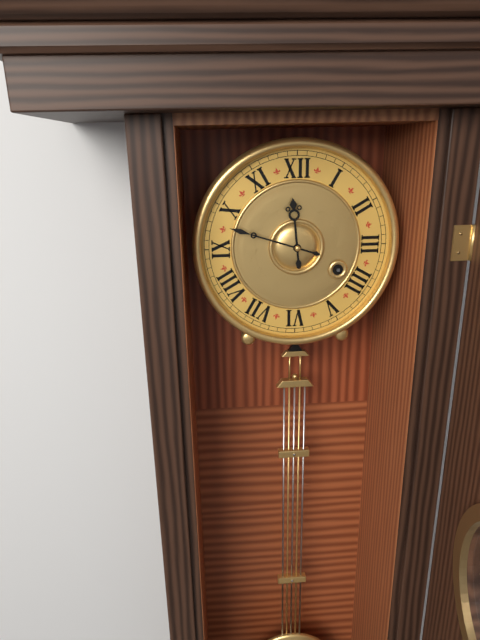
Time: h=11 m=48
